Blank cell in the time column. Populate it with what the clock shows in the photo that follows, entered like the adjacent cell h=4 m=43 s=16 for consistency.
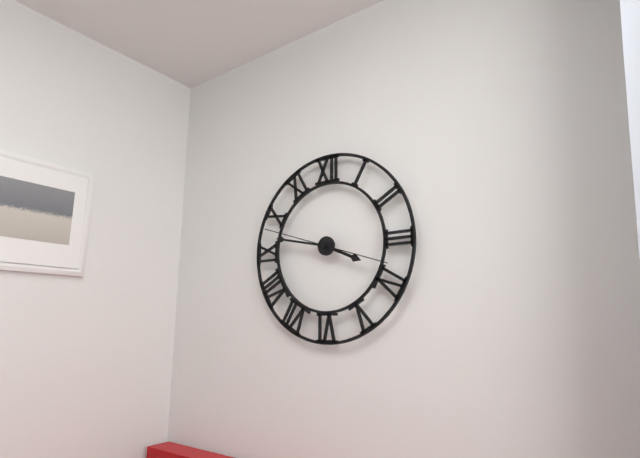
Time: h=3 m=47 s=48
